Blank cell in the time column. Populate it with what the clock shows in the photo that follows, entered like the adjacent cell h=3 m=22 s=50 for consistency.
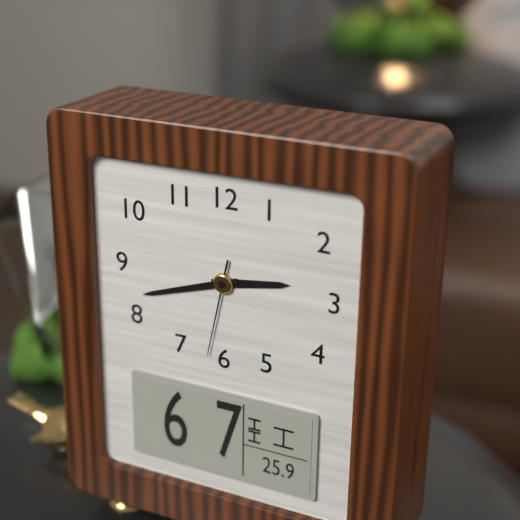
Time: h=2 m=42 s=32
